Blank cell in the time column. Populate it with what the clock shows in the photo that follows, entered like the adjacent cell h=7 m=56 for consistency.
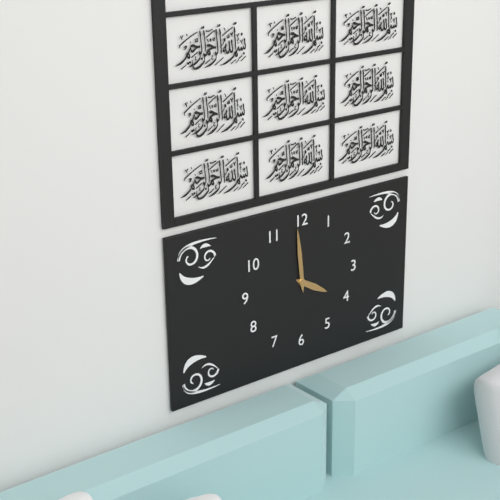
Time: h=3 m=59
